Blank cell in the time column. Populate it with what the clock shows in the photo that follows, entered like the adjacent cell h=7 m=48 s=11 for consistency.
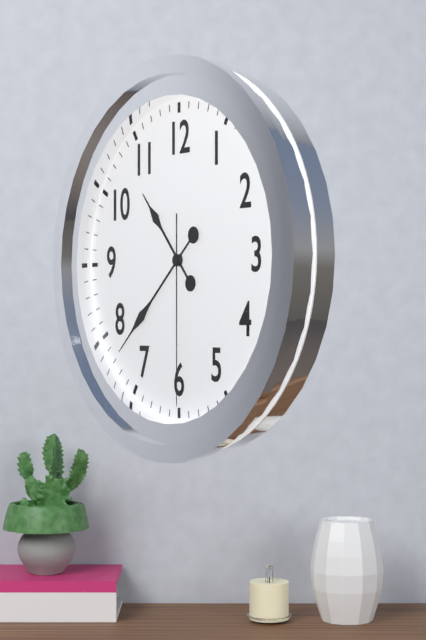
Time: h=10 m=38 s=30
